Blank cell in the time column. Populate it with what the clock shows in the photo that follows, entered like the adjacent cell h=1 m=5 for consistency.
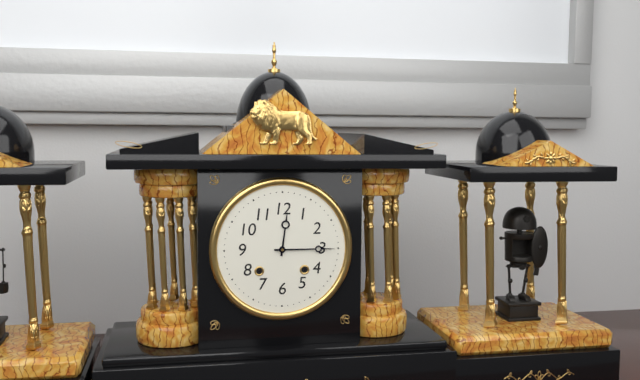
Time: h=12 m=15
